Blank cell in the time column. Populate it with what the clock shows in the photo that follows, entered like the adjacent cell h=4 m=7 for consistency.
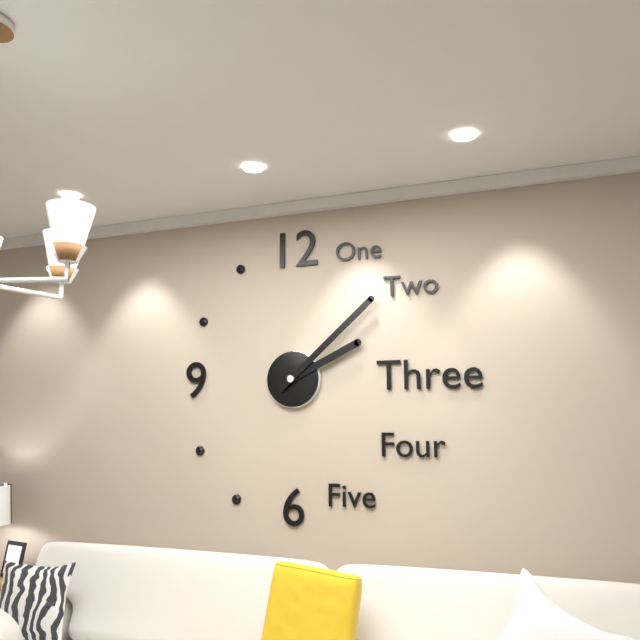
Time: h=2 m=8
